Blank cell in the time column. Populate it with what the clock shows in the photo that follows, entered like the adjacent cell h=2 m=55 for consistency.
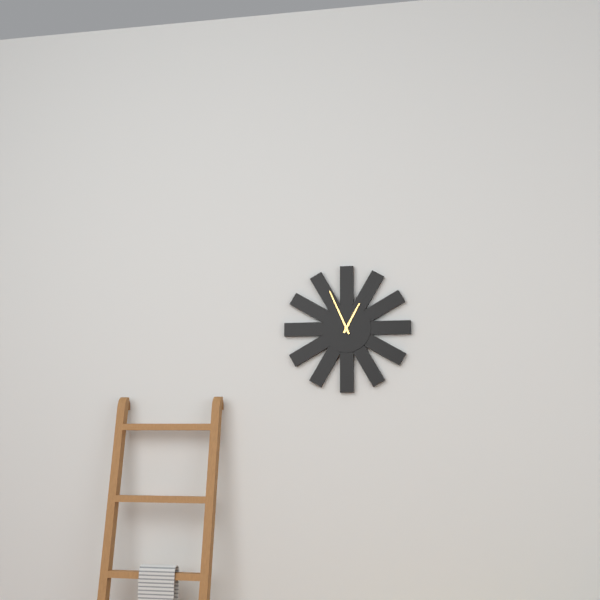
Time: h=12 m=56
